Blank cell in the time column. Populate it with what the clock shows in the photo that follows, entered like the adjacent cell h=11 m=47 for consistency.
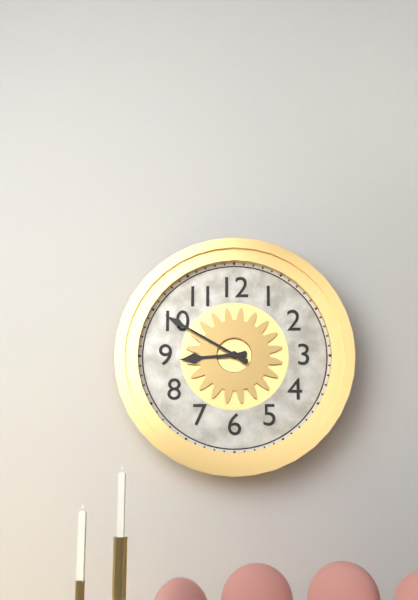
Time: h=8 m=50
